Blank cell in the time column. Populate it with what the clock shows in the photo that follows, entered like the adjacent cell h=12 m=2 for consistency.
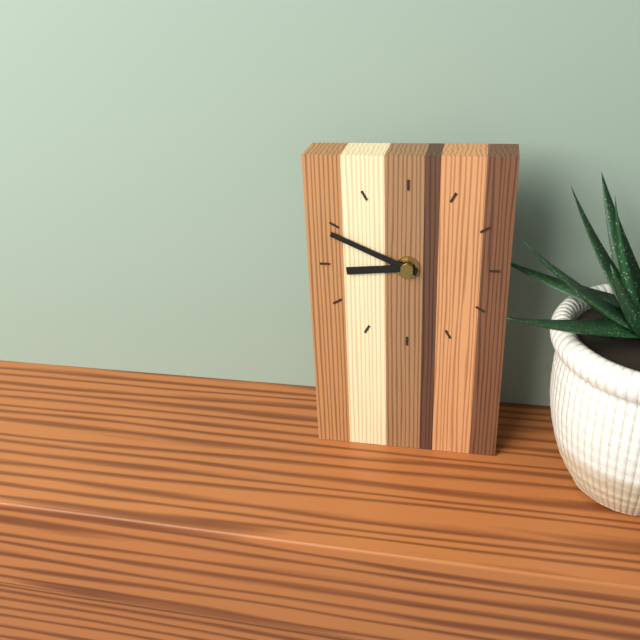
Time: h=8 m=49
